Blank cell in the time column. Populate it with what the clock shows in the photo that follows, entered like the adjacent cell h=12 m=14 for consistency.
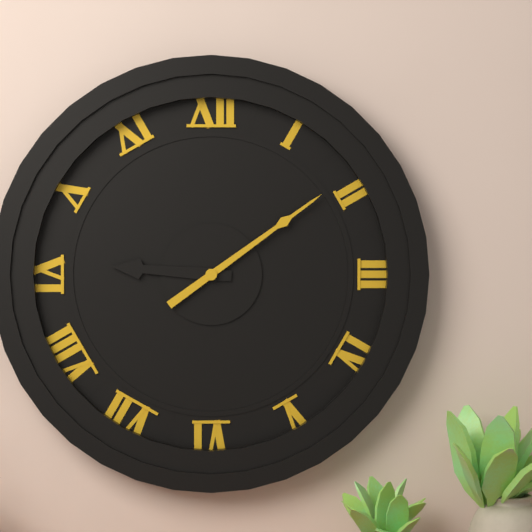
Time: h=9 m=9
